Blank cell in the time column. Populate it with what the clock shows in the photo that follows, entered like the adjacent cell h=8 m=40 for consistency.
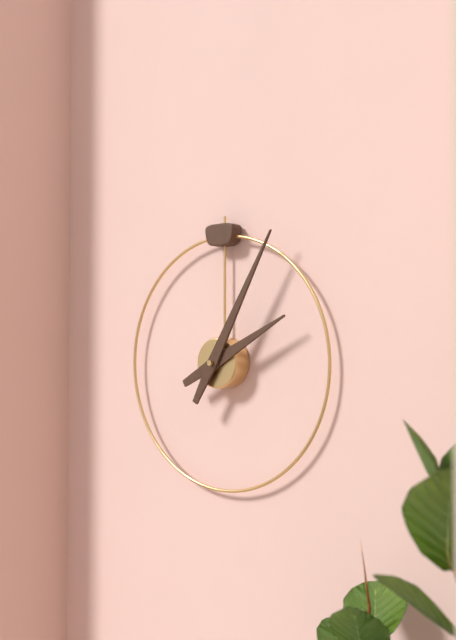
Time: h=2 m=5
